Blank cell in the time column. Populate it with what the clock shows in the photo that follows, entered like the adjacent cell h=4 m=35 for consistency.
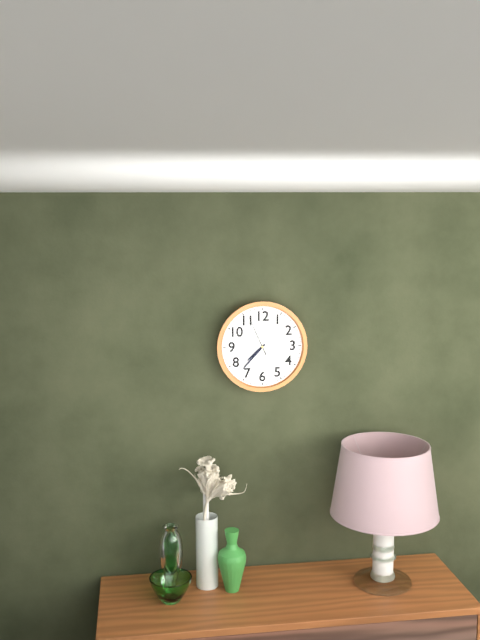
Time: h=7 m=37
